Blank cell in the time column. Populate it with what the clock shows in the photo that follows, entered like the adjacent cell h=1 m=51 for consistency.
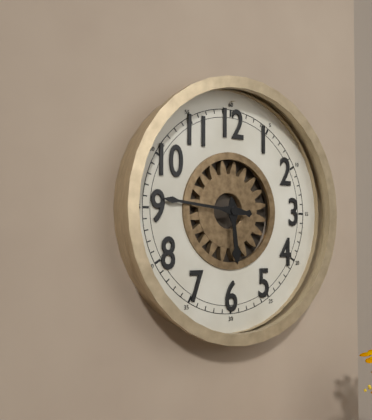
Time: h=5 m=46
